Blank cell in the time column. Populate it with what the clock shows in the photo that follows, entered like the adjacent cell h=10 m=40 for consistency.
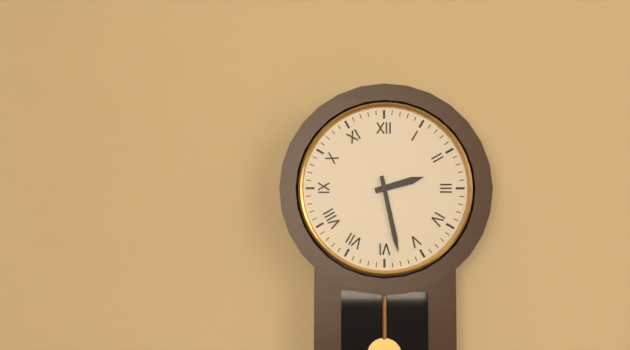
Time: h=2 m=28
